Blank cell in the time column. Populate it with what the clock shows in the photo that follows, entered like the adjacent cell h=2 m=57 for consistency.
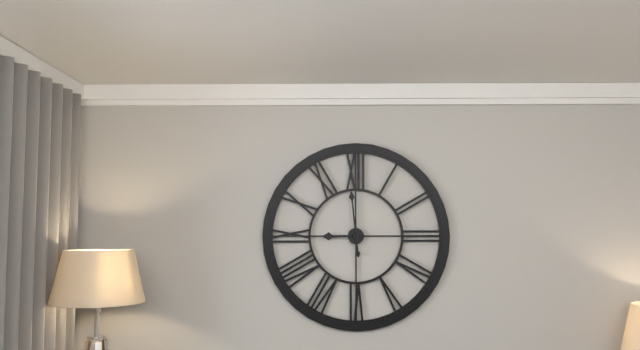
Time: h=8 m=59
